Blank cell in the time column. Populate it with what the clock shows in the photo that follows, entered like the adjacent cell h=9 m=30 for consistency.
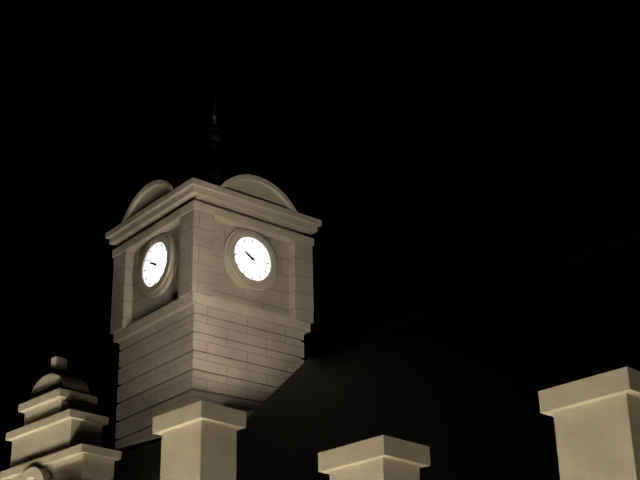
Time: h=9 m=51
